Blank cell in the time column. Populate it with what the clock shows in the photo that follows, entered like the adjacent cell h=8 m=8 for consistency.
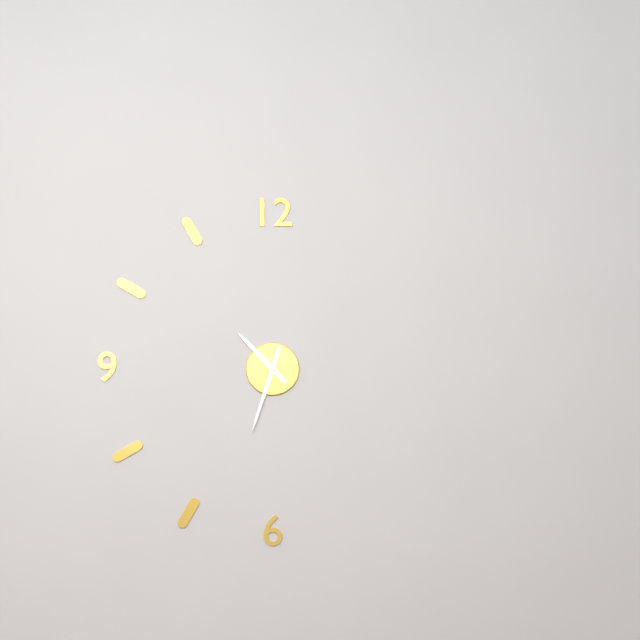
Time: h=10 m=33
